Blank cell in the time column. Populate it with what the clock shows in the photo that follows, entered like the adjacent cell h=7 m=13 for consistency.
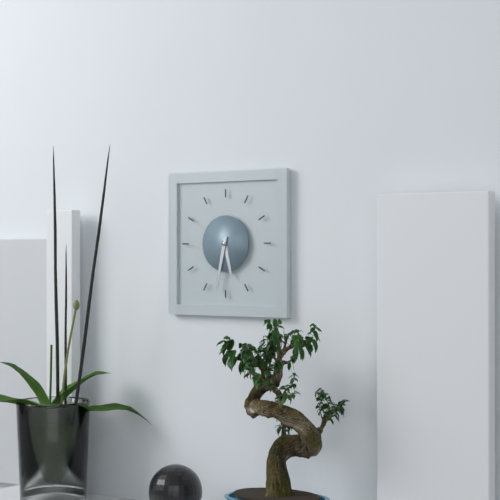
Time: h=5 m=32
